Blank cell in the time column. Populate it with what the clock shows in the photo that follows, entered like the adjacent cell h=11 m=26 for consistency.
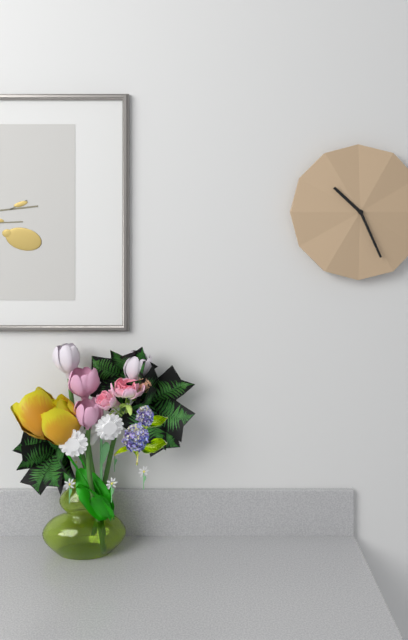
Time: h=10 m=26
